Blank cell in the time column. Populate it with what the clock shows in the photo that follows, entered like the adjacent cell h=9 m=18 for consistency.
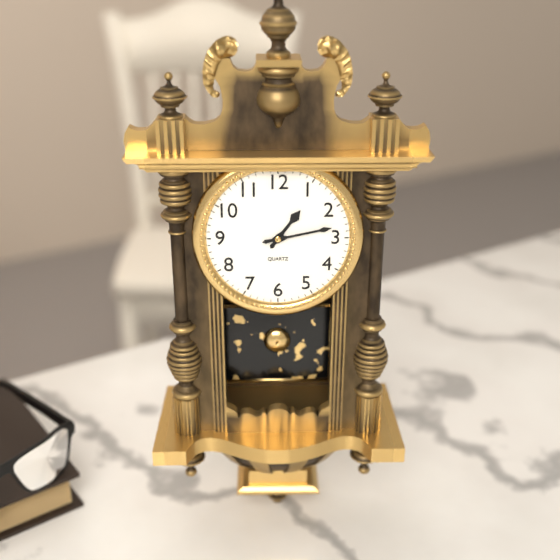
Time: h=1 m=13
